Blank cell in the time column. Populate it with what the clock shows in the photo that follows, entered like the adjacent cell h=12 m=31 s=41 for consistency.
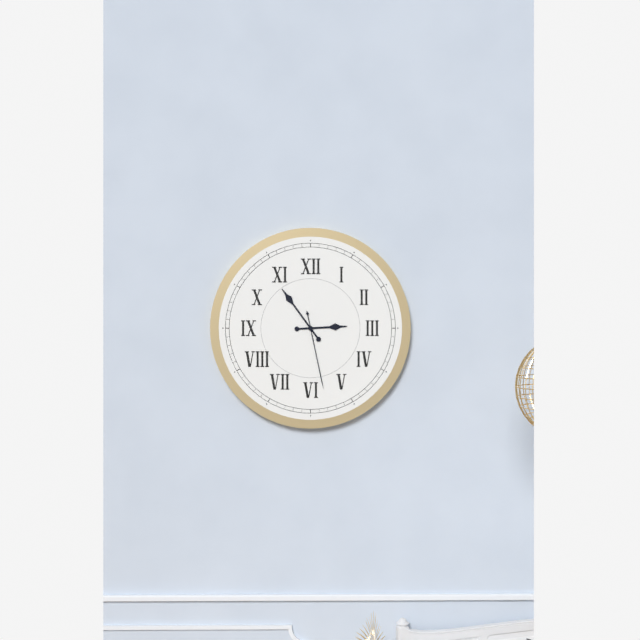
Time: h=2 m=54 s=28
